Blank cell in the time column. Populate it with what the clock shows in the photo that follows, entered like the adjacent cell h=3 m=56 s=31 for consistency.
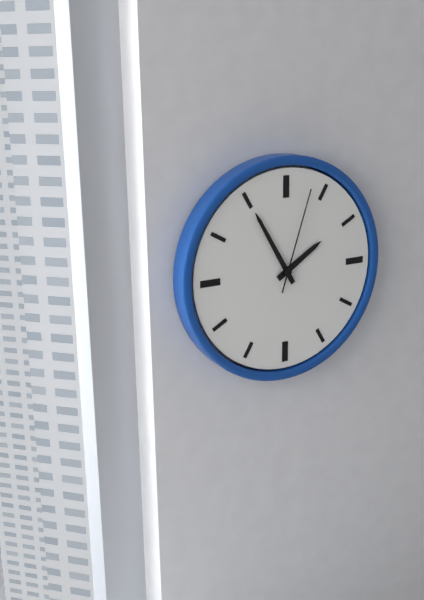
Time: h=1 m=55 s=3
